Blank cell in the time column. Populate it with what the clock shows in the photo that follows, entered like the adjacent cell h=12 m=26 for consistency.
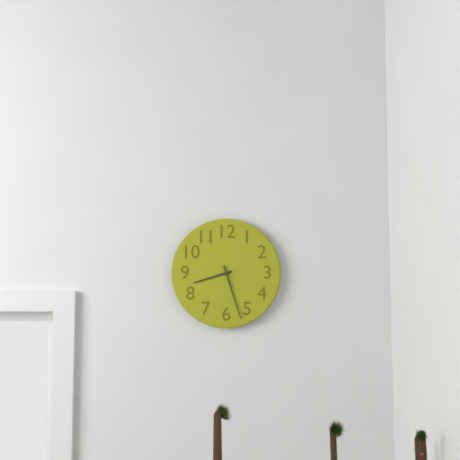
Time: h=8 m=27
